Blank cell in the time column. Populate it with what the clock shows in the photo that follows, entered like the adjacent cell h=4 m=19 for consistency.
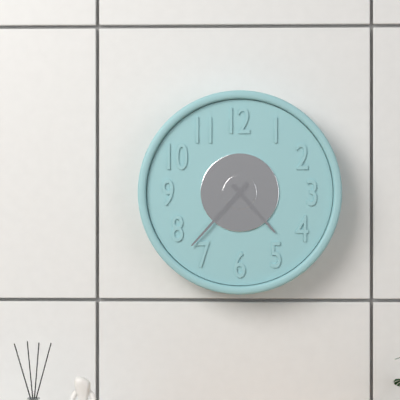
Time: h=4 m=37
